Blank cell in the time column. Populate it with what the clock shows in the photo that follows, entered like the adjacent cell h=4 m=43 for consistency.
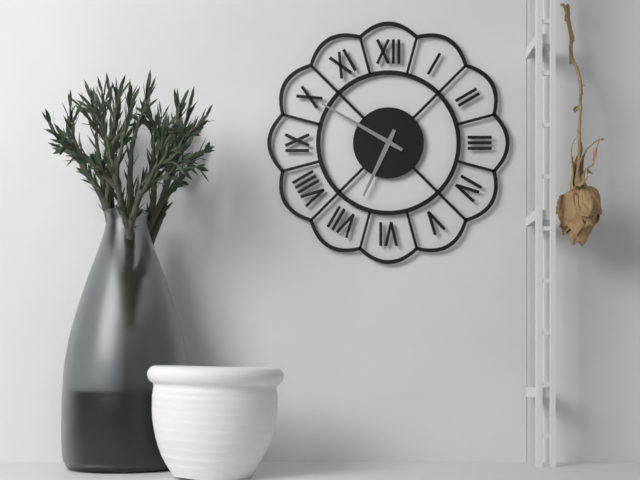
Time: h=6 m=50
